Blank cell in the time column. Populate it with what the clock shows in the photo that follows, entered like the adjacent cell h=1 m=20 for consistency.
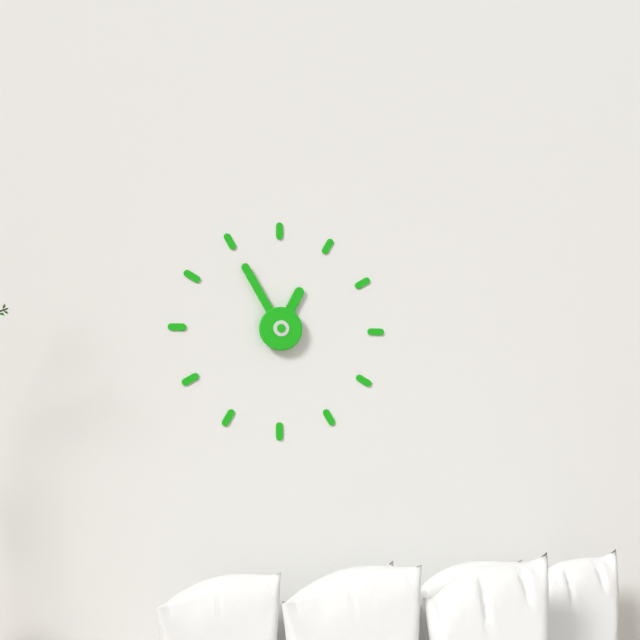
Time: h=12 m=55
